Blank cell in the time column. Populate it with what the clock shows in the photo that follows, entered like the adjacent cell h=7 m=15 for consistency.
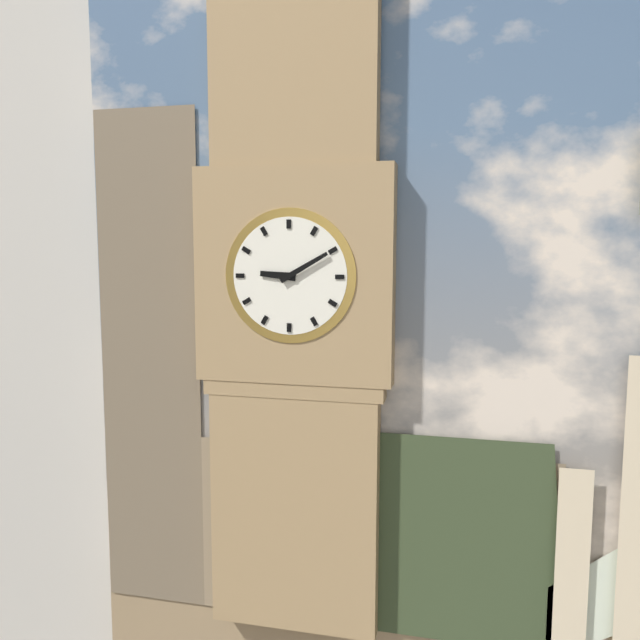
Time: h=9 m=10
